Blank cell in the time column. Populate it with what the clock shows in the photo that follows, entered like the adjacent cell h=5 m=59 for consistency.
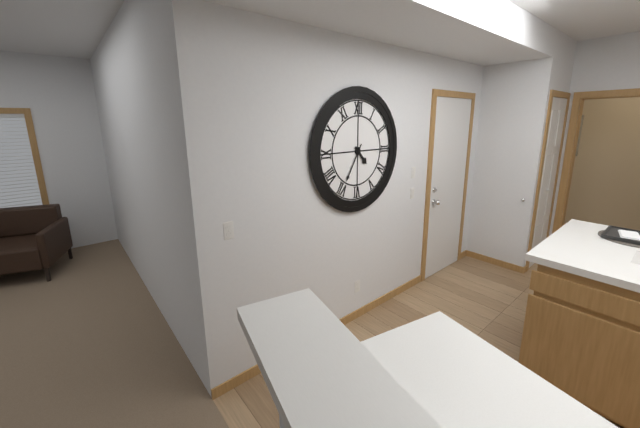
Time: h=4 m=35
